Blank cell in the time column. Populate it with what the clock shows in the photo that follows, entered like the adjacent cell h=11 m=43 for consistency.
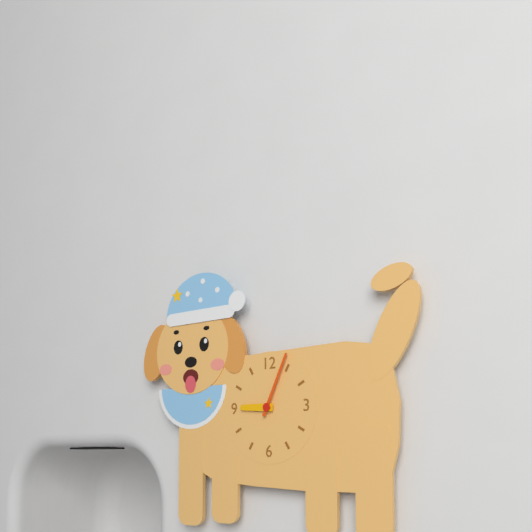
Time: h=9 m=4
